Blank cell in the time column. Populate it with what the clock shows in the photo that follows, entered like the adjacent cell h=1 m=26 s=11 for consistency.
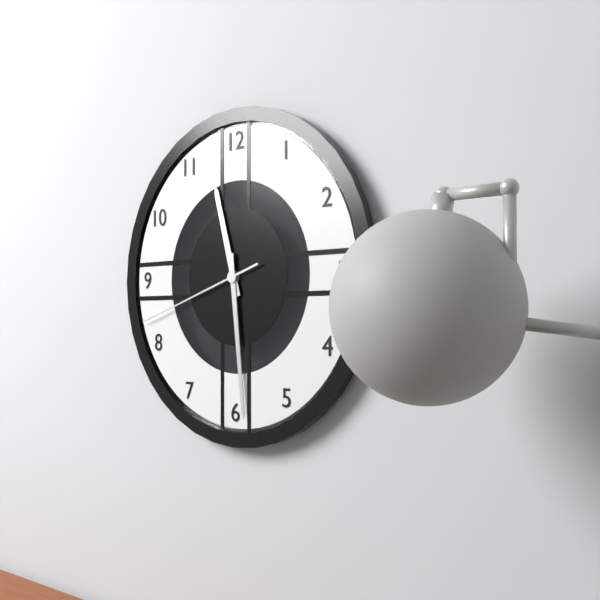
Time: h=11 m=29 s=42
